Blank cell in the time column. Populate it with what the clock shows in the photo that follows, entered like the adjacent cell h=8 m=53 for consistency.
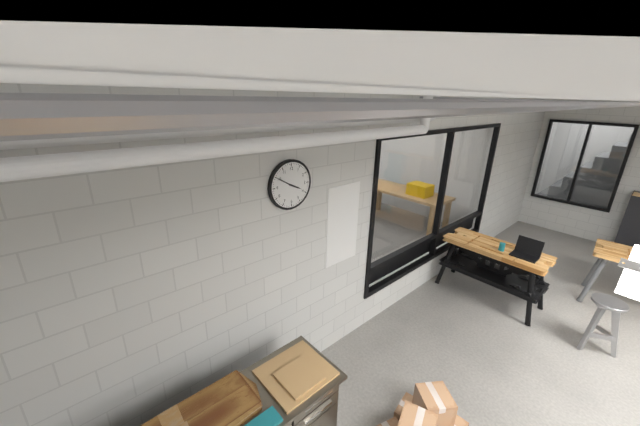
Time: h=3 m=50
